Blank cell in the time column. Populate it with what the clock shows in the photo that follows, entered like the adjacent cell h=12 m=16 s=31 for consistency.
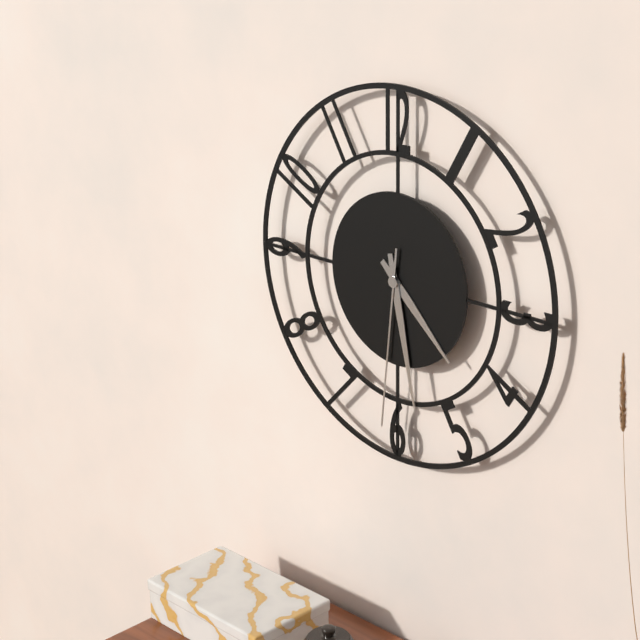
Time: h=4 m=28 s=31
